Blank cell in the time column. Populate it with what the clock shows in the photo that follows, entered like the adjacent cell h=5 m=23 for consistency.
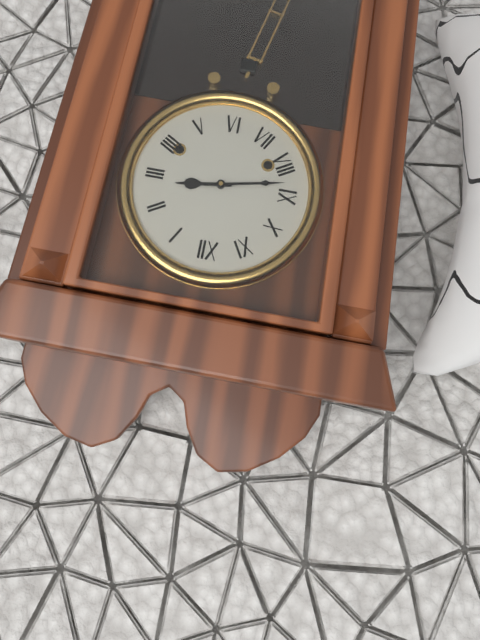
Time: h=2 m=43
